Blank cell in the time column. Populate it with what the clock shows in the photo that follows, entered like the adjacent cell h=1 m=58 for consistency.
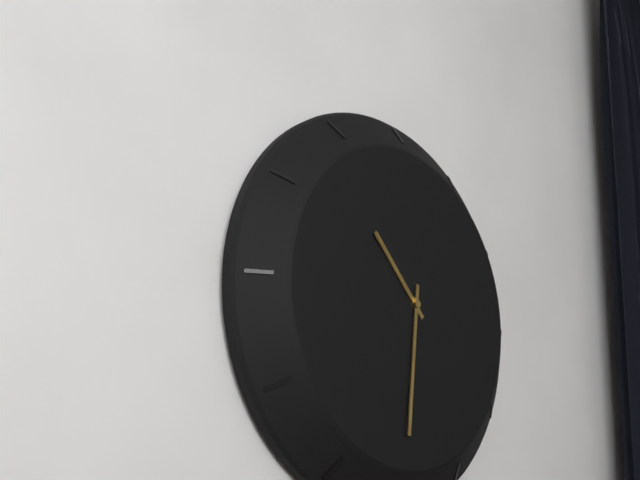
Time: h=10 m=31
